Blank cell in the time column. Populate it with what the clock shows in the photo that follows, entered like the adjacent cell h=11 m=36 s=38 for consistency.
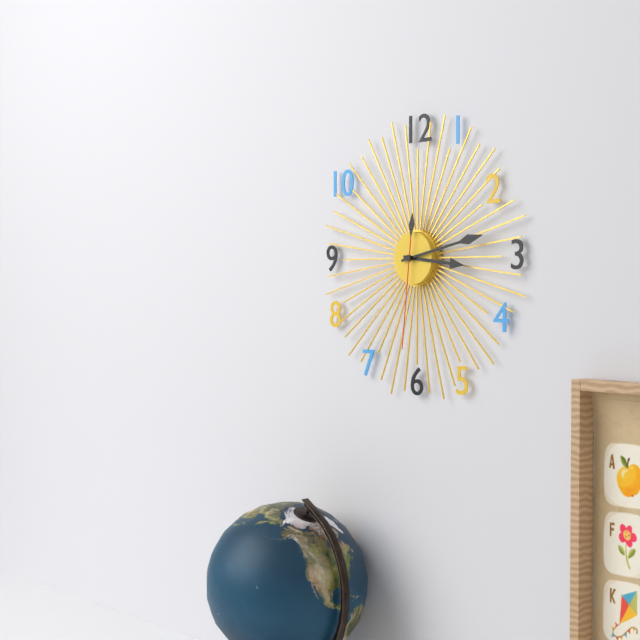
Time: h=3 m=13 s=31
